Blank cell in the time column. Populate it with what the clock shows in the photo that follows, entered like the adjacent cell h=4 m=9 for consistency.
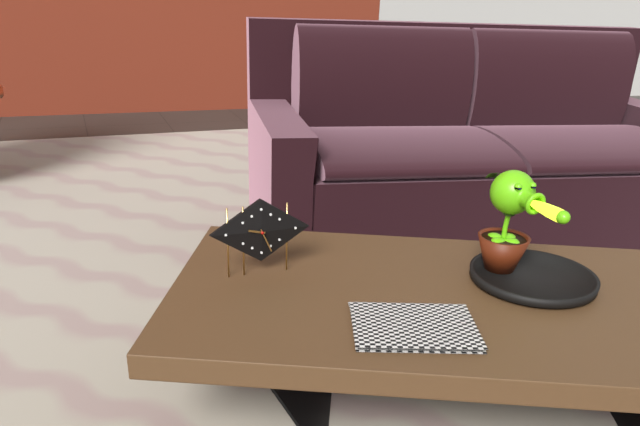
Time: h=9 m=26
